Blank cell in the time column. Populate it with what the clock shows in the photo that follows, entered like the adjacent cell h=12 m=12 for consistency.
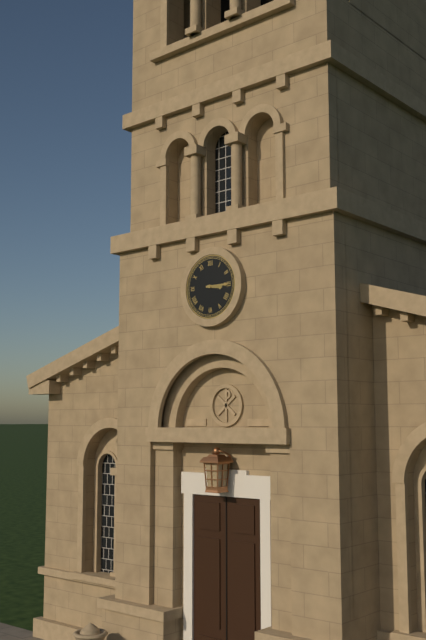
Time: h=3 m=15
